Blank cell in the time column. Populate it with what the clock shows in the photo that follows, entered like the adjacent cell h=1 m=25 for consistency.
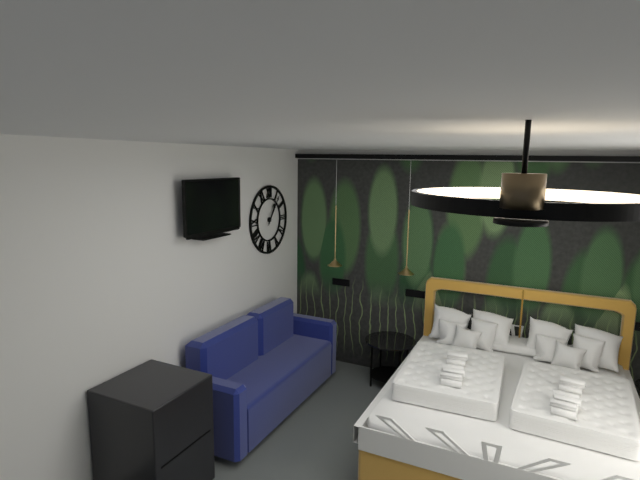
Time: h=1 m=6
